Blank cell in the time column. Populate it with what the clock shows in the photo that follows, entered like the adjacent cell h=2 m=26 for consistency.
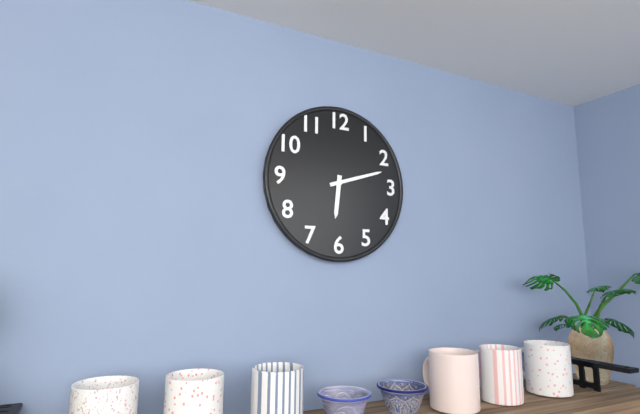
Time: h=6 m=12
